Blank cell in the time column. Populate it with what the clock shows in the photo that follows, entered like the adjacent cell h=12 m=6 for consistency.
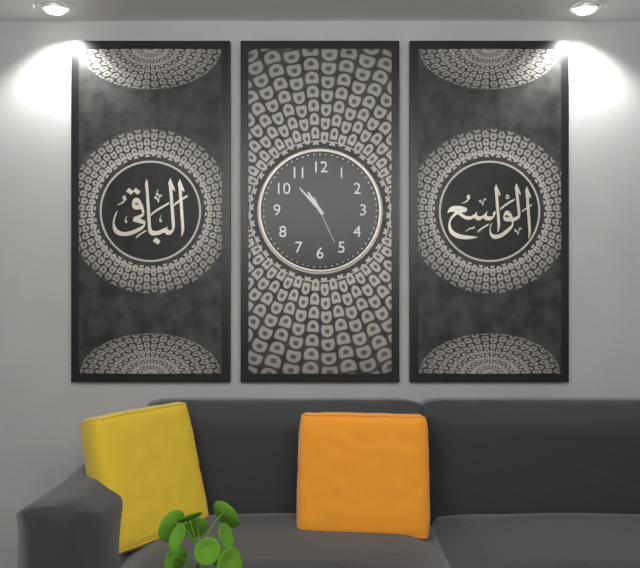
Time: h=10 m=53
